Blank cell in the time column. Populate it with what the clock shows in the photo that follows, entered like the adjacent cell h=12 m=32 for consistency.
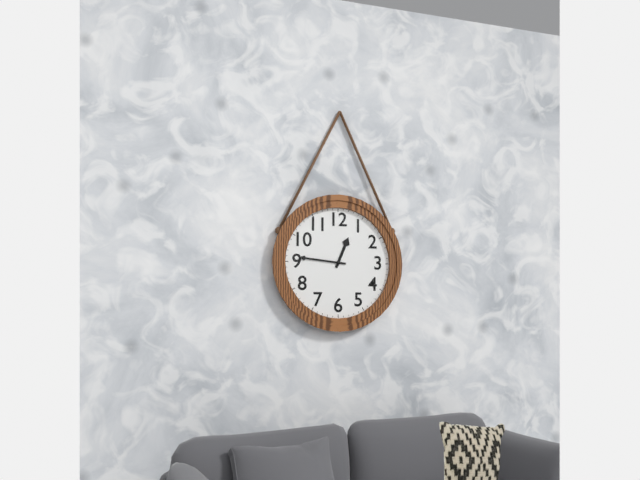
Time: h=12 m=46
